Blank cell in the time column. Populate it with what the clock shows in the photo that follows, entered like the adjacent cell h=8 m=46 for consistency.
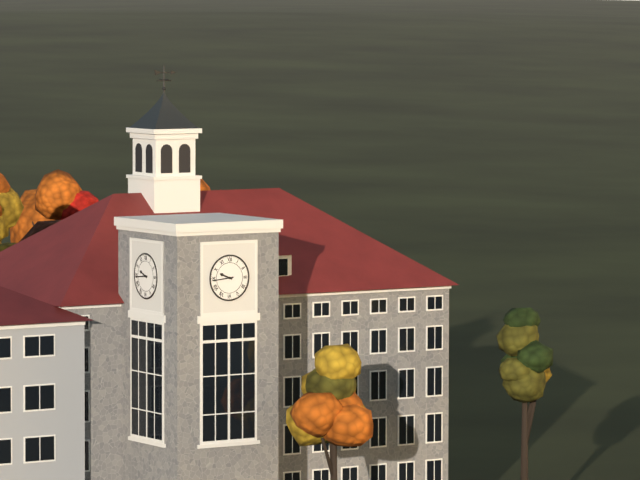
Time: h=9 m=44
